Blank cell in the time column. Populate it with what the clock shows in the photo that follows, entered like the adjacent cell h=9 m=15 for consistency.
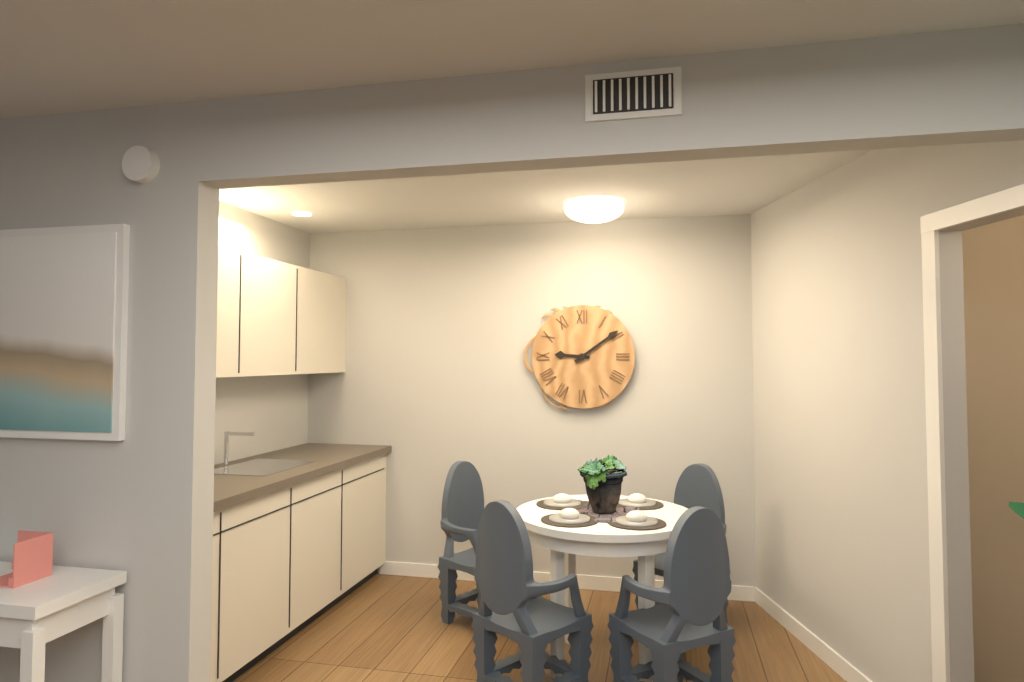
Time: h=9 m=9
